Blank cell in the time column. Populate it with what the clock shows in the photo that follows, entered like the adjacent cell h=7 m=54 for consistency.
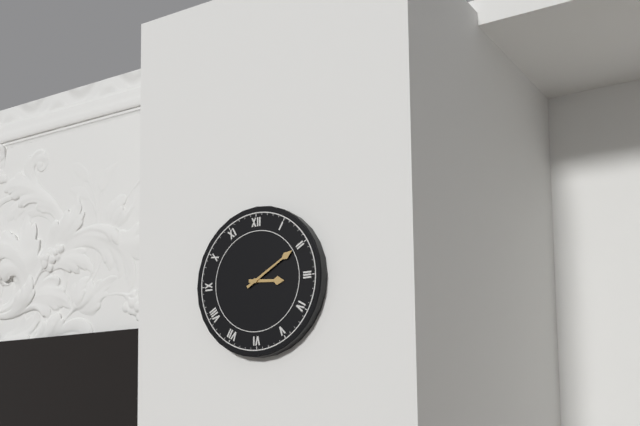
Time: h=3 m=10
